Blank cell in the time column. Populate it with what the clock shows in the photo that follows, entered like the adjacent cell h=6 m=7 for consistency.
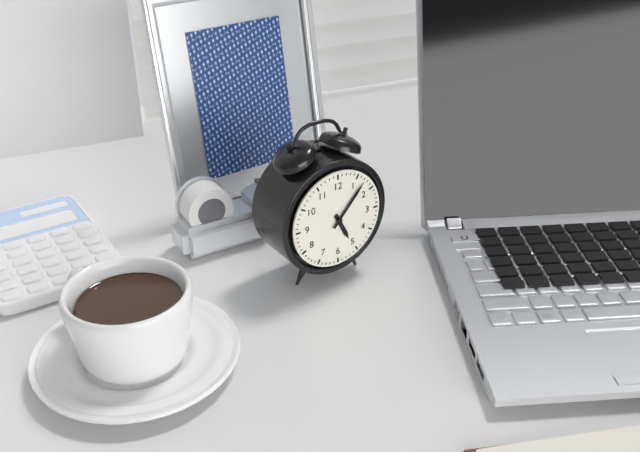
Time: h=5 m=7
